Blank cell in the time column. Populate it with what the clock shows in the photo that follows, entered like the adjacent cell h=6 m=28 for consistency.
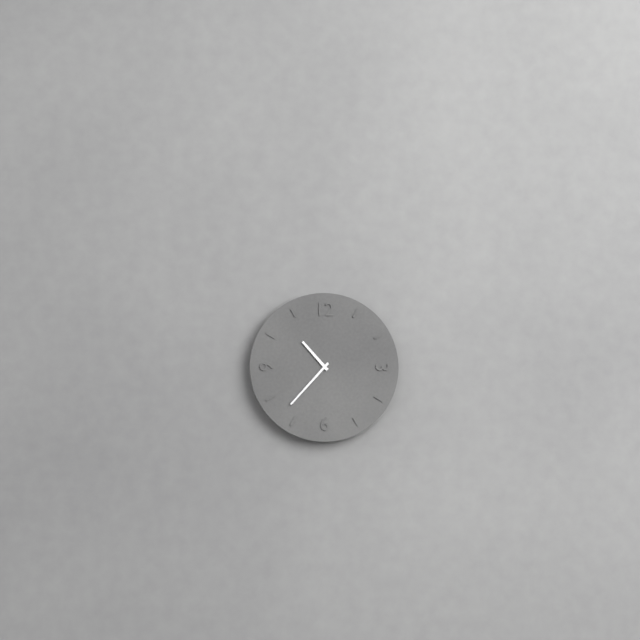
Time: h=10 m=37
